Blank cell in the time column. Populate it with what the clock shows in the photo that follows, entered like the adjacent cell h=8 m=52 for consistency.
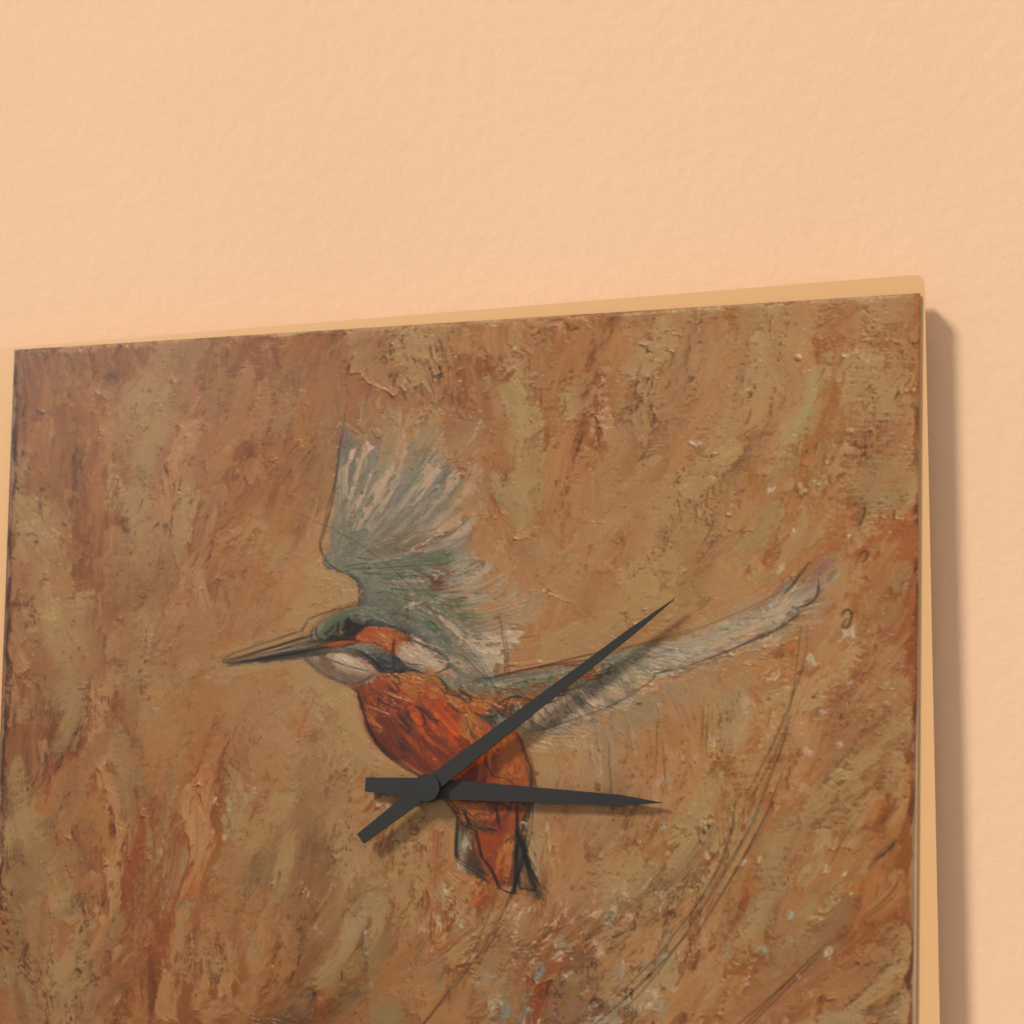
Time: h=3 m=9
